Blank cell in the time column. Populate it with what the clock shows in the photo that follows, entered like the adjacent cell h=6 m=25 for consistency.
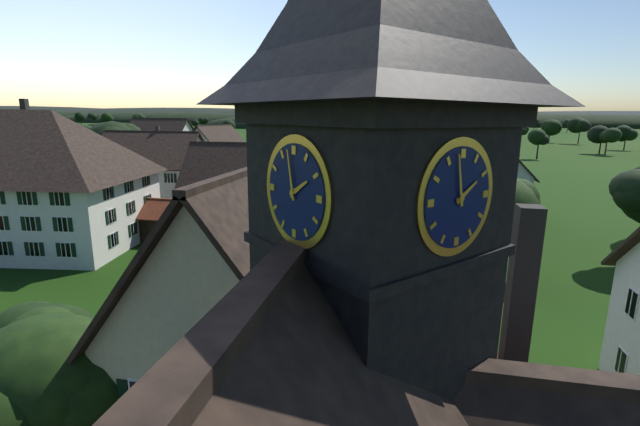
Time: h=1 m=58
